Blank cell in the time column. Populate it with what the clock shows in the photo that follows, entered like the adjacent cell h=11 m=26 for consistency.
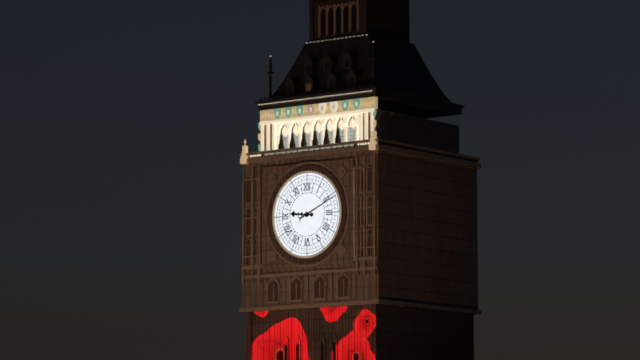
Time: h=9 m=11
